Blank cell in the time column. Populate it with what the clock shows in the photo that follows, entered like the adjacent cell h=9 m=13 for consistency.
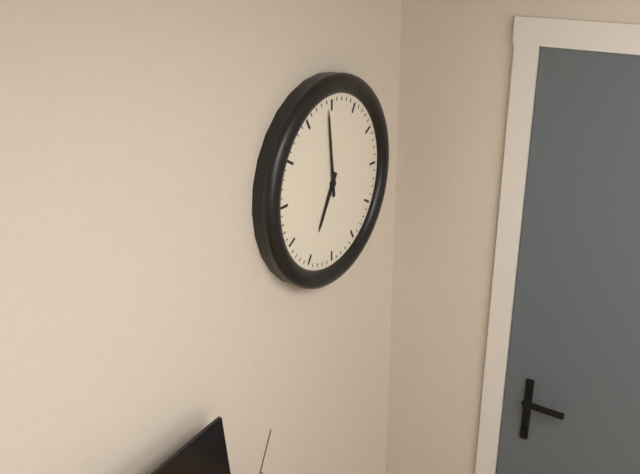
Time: h=6 m=59
